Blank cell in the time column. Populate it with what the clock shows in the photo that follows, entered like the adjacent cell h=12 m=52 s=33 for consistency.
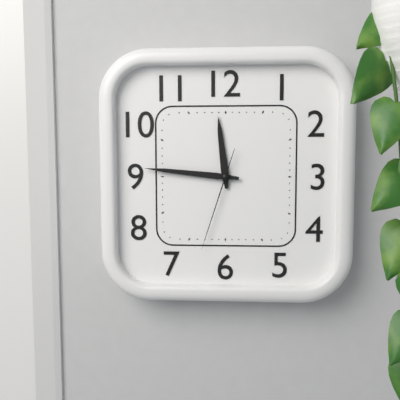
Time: h=11 m=46 s=33
